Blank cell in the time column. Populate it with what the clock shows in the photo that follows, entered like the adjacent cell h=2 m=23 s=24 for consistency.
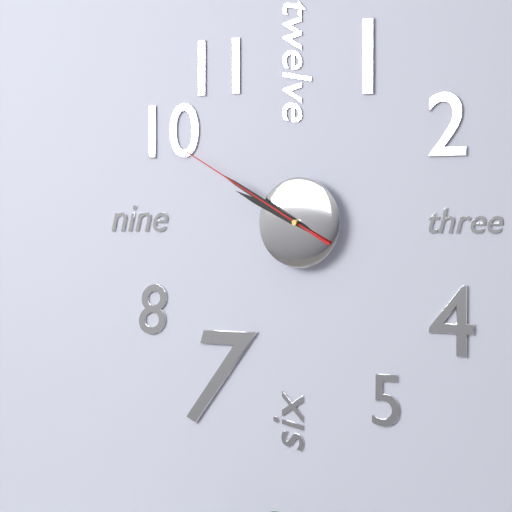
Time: h=9 m=50 s=50
